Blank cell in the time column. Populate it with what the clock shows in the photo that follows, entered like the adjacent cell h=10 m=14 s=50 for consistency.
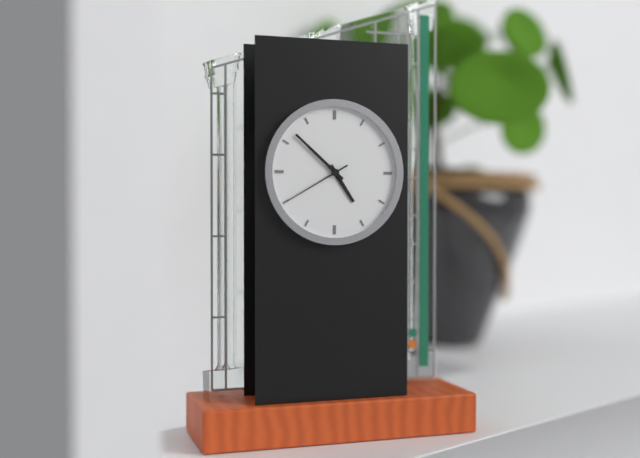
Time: h=4 m=52 s=40
